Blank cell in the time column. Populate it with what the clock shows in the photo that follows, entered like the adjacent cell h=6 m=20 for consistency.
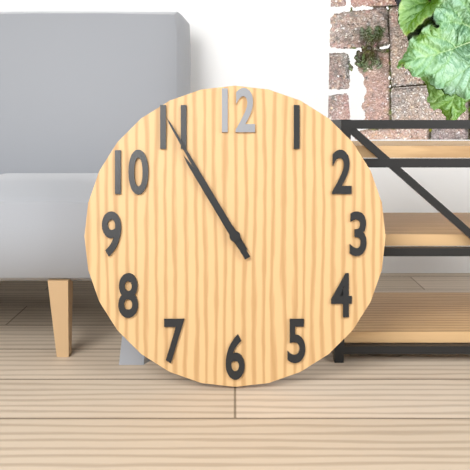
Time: h=10 m=55
